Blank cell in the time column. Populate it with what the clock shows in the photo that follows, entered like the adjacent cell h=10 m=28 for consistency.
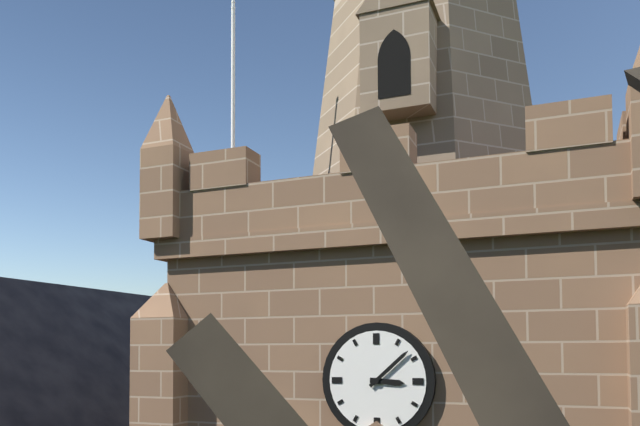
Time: h=3 m=8
